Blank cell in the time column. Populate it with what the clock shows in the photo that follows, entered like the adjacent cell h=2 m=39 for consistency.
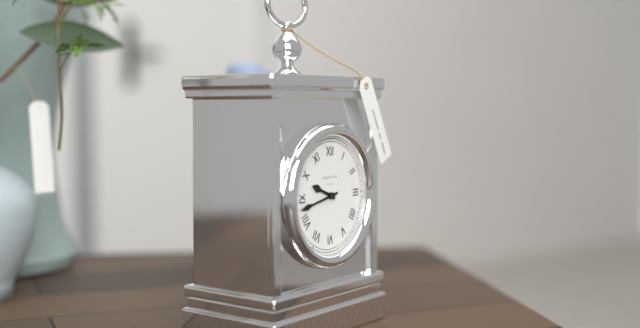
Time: h=9 m=43
